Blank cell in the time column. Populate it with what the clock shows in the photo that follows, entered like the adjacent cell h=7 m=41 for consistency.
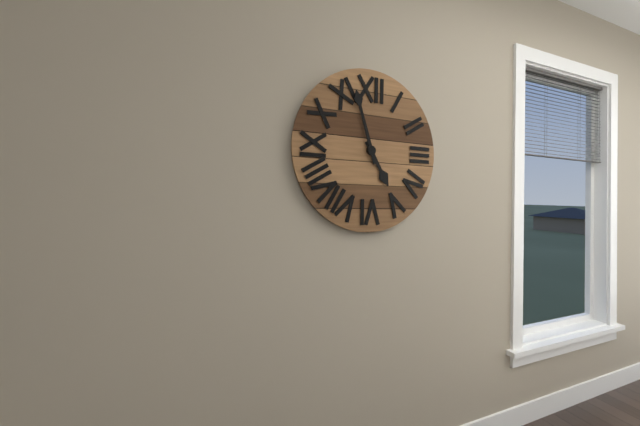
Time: h=4 m=57
